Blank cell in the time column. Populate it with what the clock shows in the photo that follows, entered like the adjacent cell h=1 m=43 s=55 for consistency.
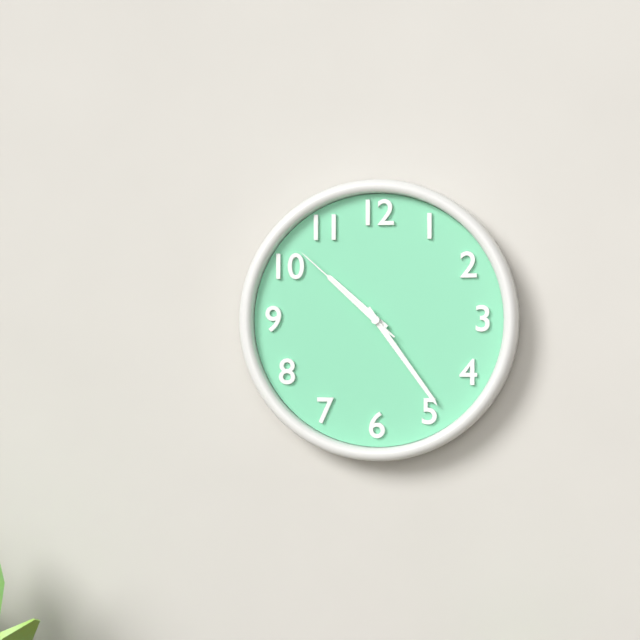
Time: h=10 m=24 s=52
